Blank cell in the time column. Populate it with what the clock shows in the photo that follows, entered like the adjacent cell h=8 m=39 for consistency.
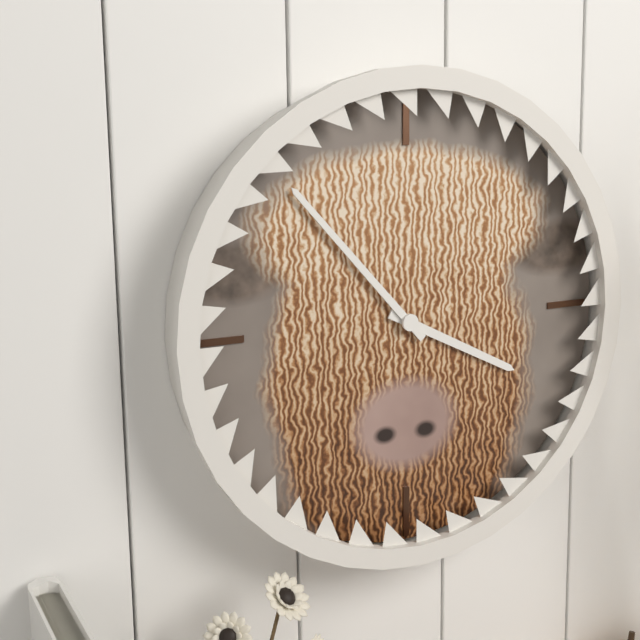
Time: h=3 m=53
